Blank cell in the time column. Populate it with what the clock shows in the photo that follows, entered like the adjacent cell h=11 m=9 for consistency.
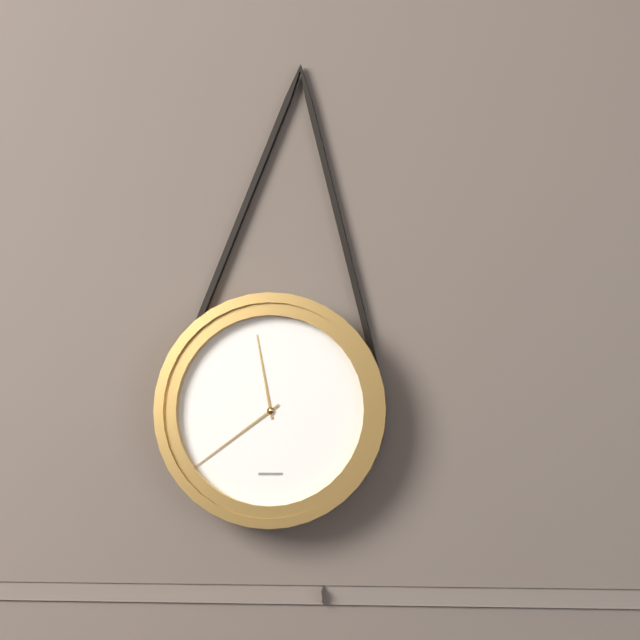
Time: h=11 m=39
